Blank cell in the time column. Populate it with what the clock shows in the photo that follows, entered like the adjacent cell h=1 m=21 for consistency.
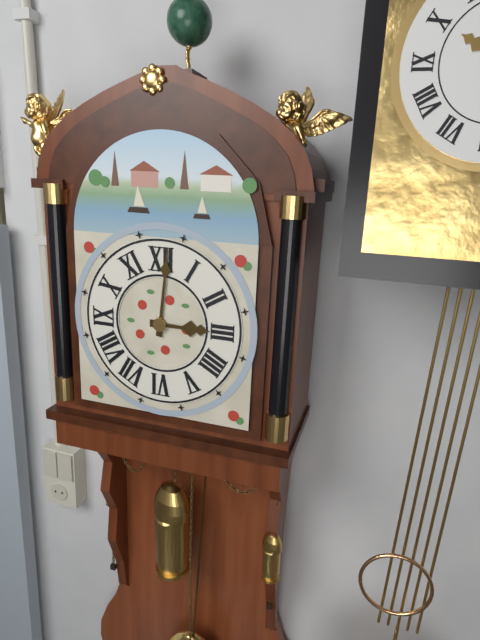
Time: h=3 m=1
